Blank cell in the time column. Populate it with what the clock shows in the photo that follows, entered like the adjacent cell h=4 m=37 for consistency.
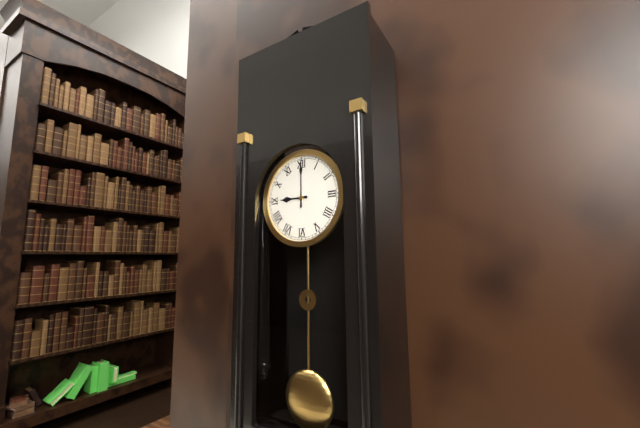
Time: h=9 m=0
